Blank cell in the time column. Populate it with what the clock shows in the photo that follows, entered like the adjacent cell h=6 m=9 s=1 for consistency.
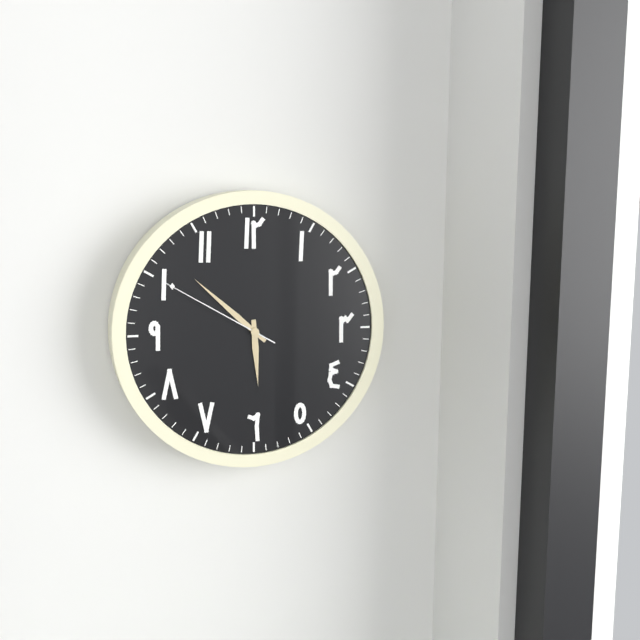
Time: h=5 m=52 s=50
